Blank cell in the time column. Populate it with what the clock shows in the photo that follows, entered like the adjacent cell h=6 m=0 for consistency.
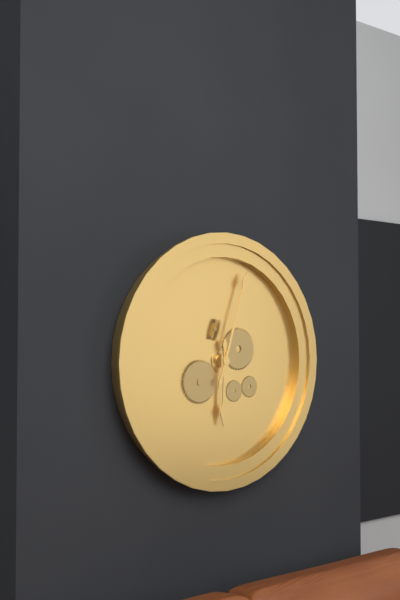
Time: h=6 m=3
